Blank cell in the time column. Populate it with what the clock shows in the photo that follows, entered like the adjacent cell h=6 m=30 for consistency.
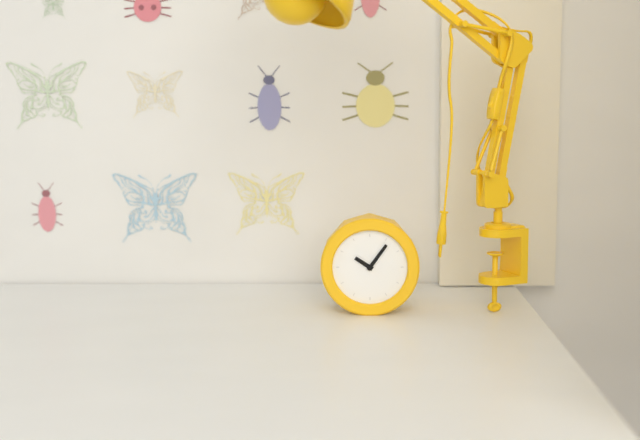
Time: h=10 m=6
